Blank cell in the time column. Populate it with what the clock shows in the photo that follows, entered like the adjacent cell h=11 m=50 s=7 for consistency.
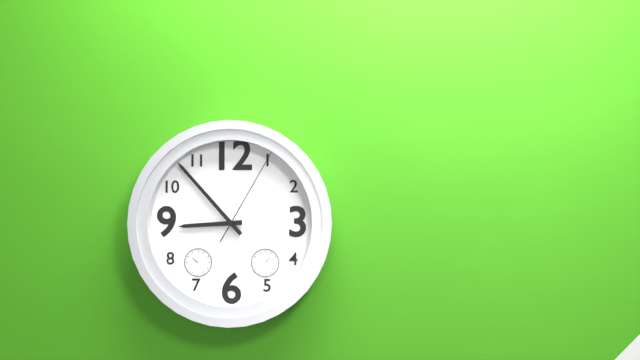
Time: h=8 m=53 s=5
